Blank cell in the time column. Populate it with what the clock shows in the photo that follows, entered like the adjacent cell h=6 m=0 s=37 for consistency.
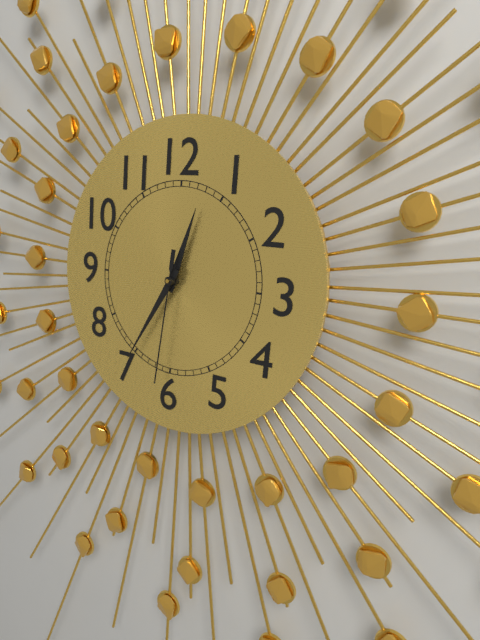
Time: h=12 m=35 s=31
